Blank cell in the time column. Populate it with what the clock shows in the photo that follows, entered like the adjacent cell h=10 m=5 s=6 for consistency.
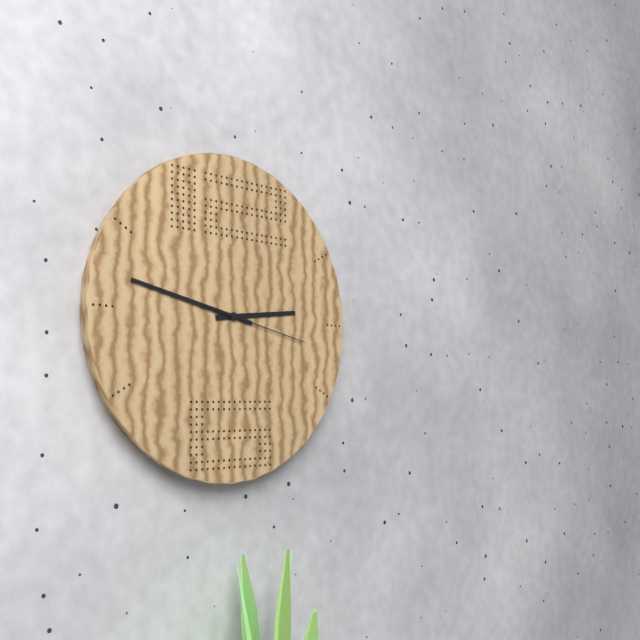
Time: h=2 m=47 s=17
